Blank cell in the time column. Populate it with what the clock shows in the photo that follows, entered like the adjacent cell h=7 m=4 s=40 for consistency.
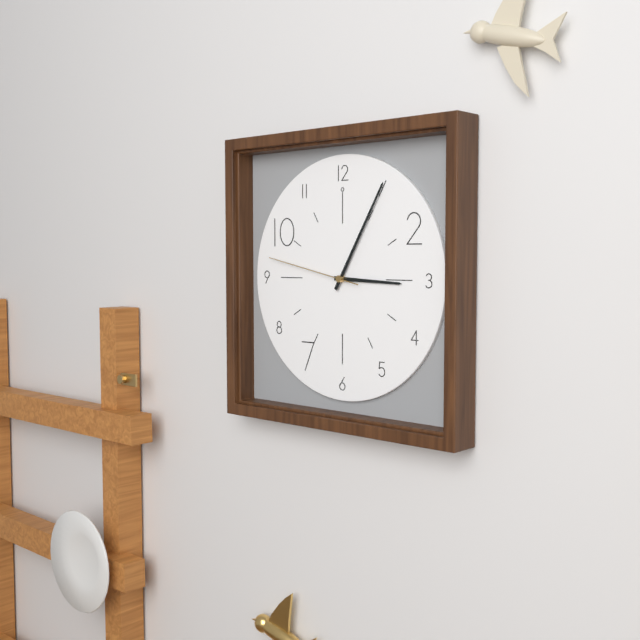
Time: h=3 m=5 s=47
